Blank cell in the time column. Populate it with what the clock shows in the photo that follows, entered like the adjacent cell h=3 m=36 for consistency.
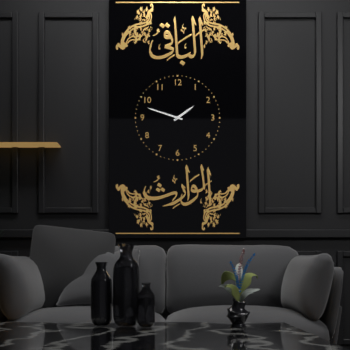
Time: h=1 m=48
